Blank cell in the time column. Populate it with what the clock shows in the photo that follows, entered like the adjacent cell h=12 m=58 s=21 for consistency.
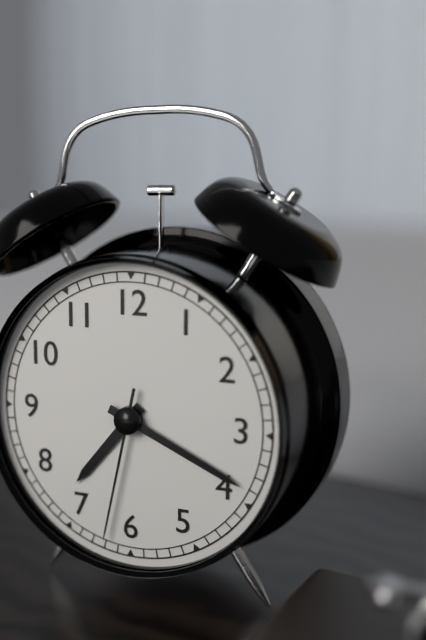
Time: h=7 m=19 s=32
